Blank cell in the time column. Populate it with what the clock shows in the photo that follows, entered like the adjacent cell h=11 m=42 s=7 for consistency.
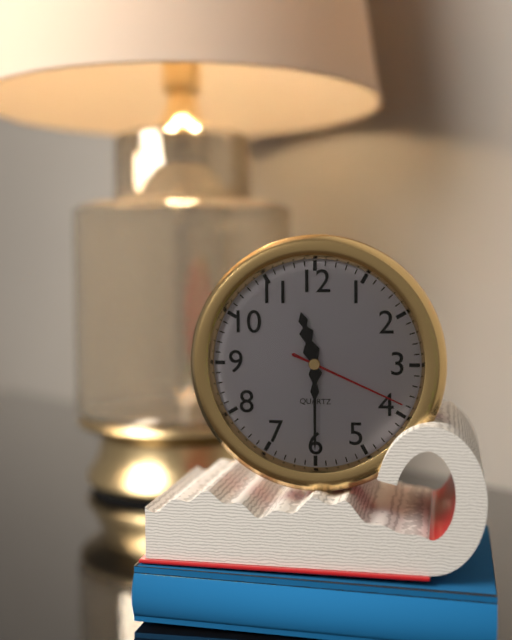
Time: h=11 m=30 s=19
